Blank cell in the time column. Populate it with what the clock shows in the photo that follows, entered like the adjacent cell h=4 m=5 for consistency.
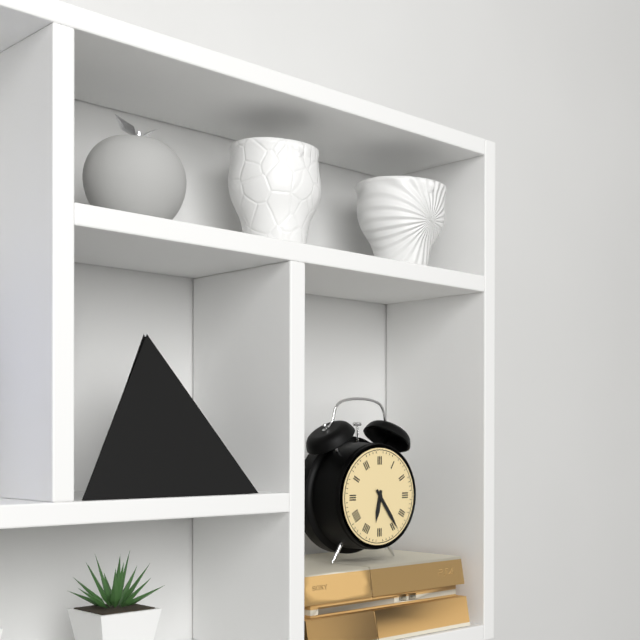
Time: h=6 m=24
